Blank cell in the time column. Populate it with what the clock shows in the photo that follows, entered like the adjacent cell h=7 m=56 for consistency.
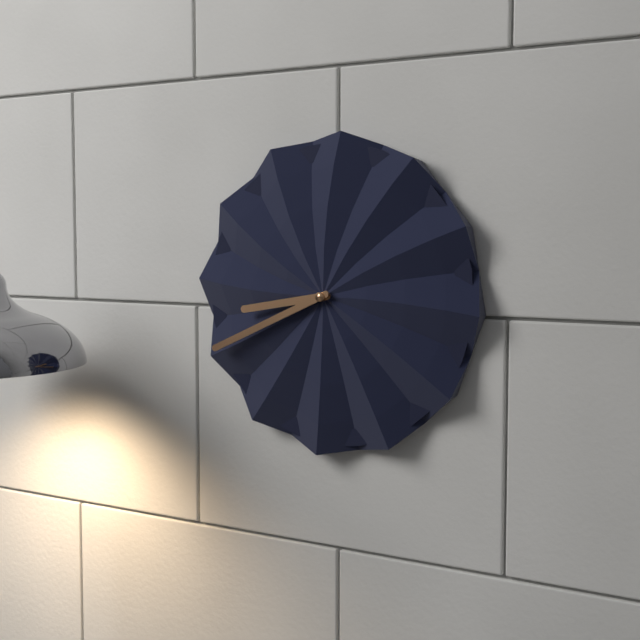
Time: h=8 m=41
